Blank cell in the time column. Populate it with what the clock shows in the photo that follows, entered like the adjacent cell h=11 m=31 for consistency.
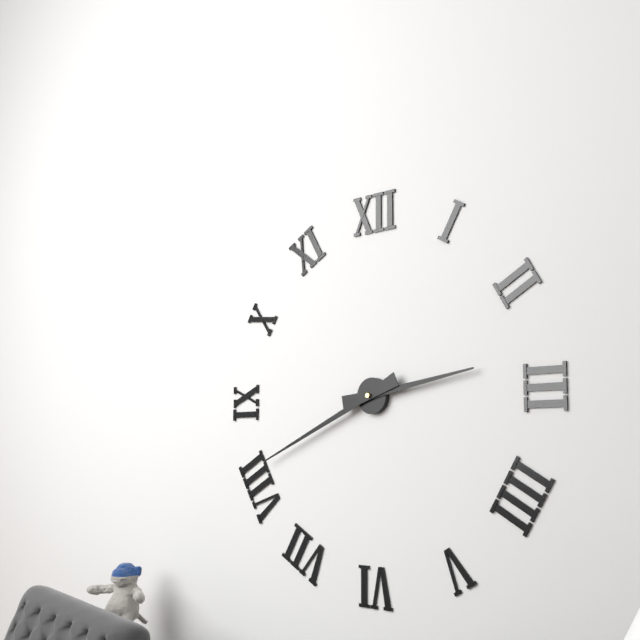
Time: h=2 m=41
